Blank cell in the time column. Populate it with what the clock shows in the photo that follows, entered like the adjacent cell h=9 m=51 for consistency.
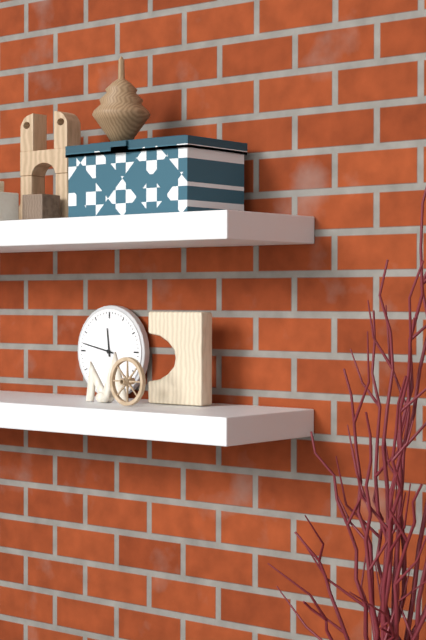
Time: h=11 m=47
